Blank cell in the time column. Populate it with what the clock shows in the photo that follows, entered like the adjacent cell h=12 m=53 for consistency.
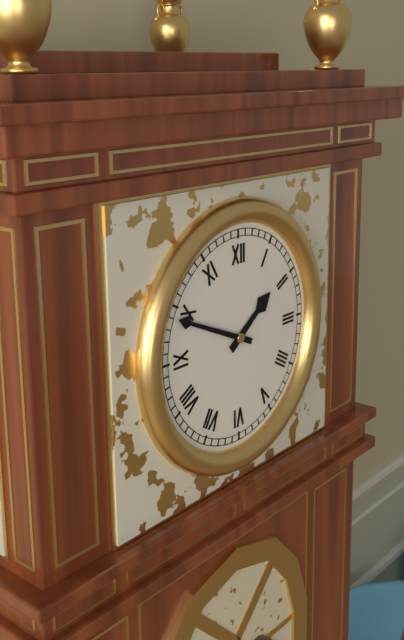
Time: h=1 m=49
